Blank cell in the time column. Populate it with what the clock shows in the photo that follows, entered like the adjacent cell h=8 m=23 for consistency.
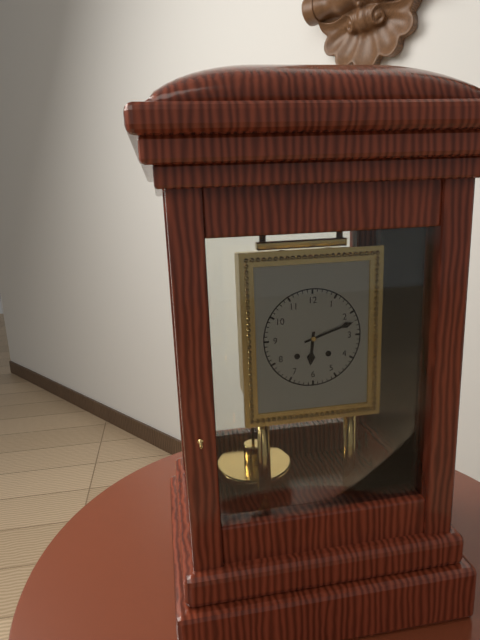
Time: h=6 m=12
